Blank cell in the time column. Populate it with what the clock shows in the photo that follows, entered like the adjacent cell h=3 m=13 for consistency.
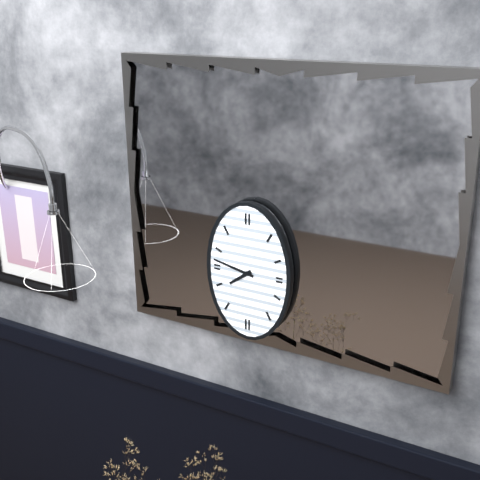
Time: h=7 m=47
